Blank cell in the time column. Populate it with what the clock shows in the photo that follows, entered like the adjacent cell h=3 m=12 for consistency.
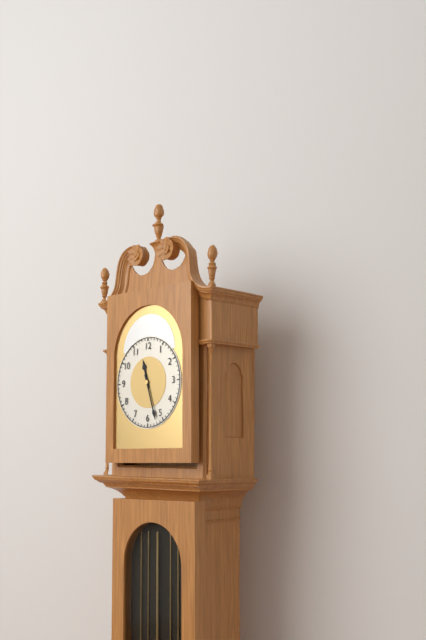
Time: h=11 m=27
